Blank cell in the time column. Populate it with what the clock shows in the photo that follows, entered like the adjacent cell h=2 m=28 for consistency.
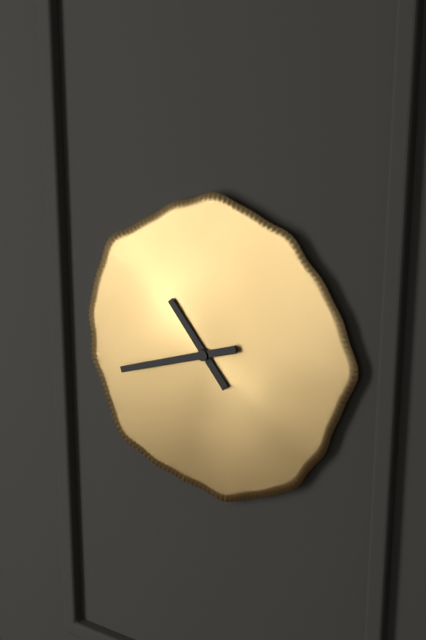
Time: h=10 m=42
